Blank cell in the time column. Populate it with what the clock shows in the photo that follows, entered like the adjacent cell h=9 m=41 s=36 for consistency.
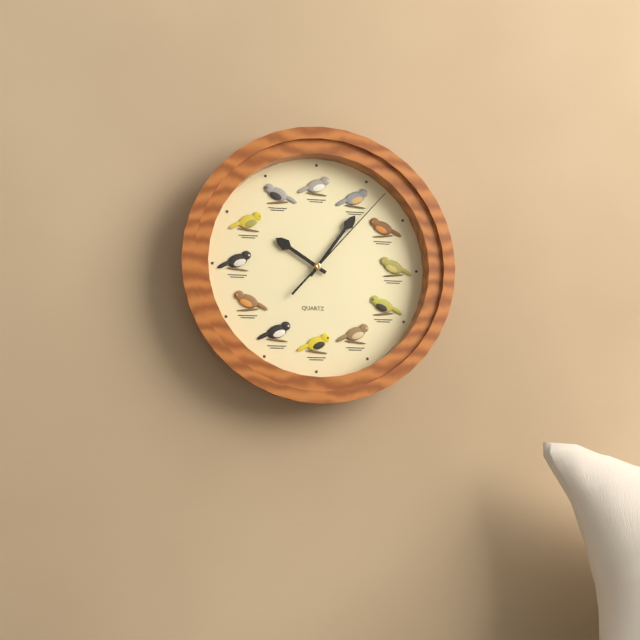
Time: h=10 m=6 s=7
